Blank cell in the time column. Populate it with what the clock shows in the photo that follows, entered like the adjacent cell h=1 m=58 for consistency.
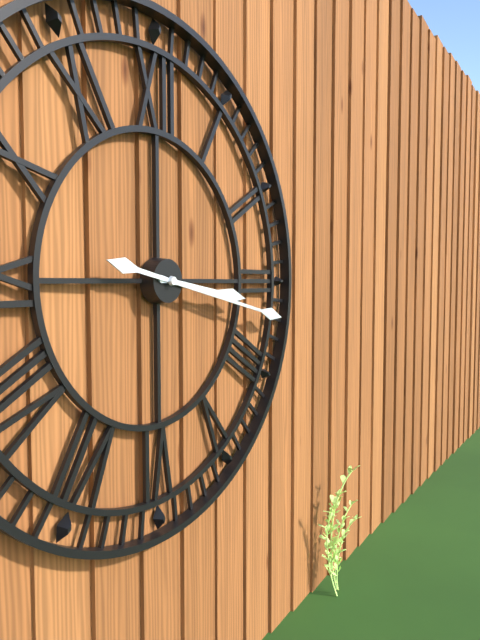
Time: h=3 m=17
